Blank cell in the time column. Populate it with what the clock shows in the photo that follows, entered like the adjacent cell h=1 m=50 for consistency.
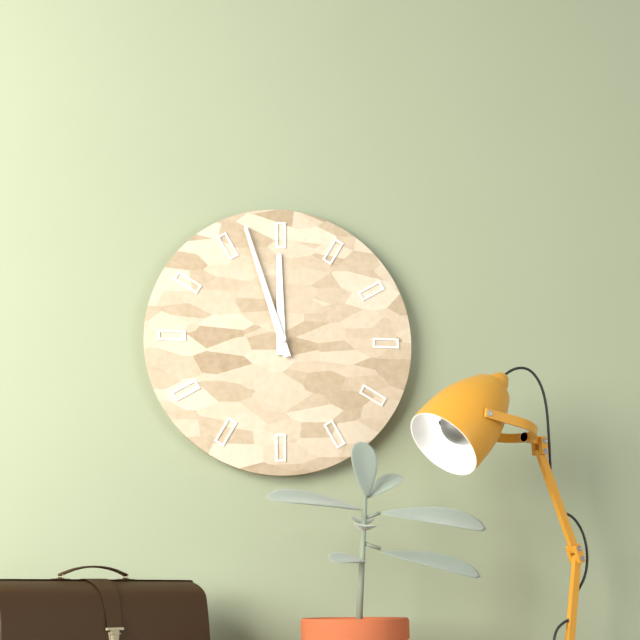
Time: h=11 m=57
